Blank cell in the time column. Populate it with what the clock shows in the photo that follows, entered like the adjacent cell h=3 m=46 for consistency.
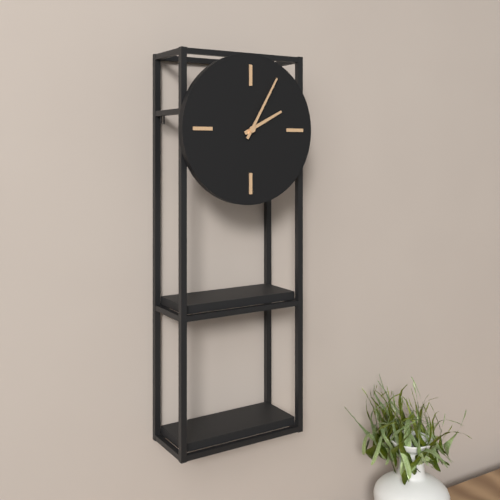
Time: h=2 m=5
